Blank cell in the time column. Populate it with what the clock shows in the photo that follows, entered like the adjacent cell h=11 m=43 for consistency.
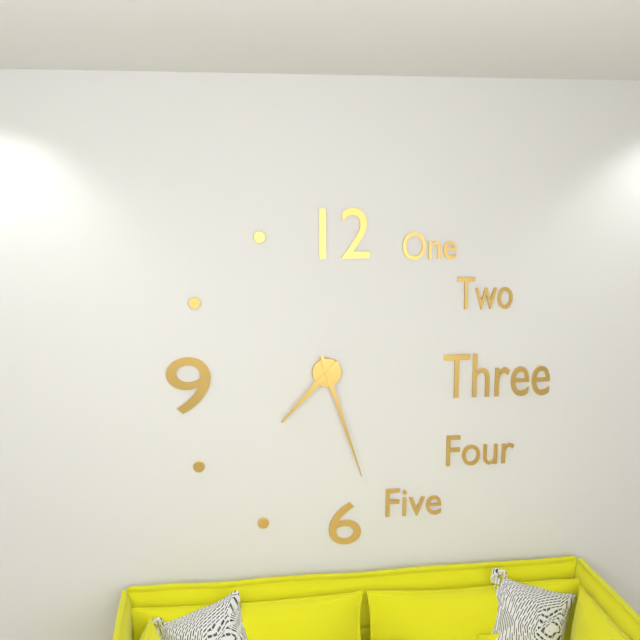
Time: h=7 m=27
